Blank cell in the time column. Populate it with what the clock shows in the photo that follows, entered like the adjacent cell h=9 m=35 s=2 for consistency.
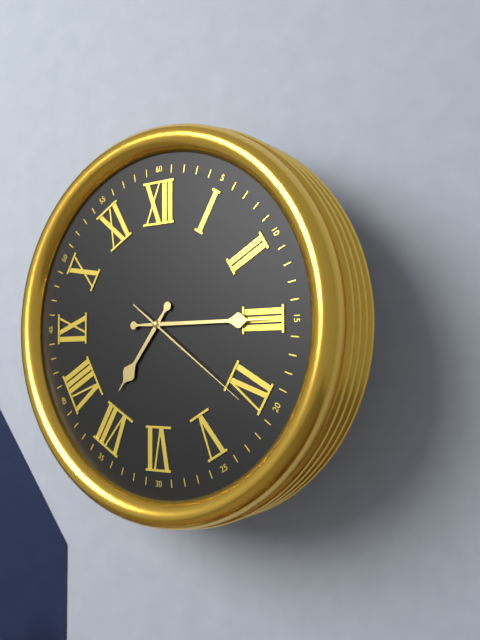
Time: h=7 m=15 s=21
